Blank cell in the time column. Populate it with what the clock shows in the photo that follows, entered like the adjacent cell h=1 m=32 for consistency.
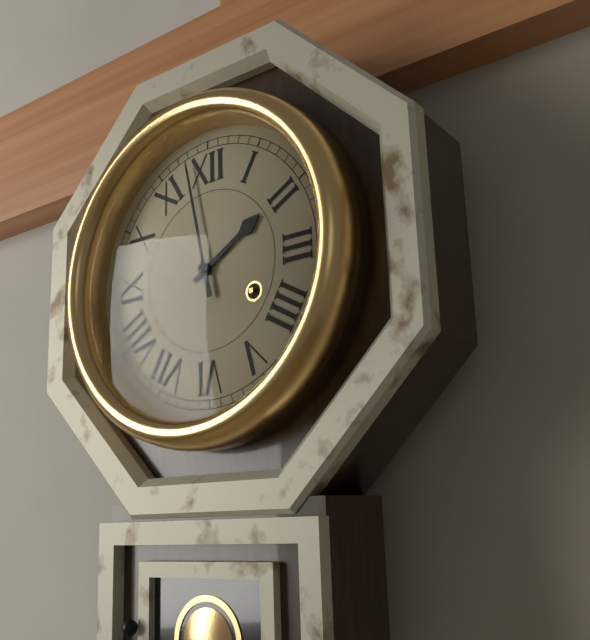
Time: h=1 m=58
